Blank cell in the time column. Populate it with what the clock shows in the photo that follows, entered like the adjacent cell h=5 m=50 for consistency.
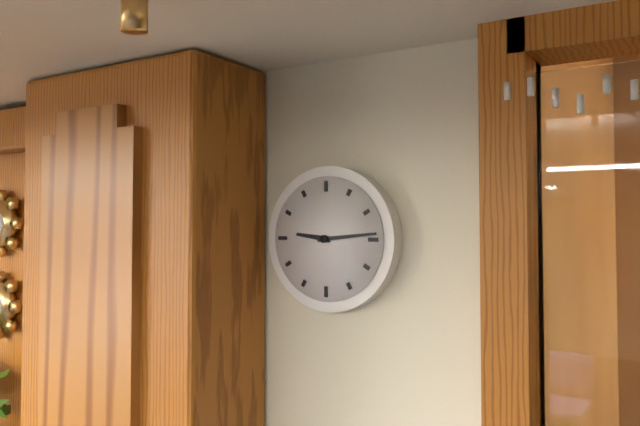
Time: h=9 m=14
